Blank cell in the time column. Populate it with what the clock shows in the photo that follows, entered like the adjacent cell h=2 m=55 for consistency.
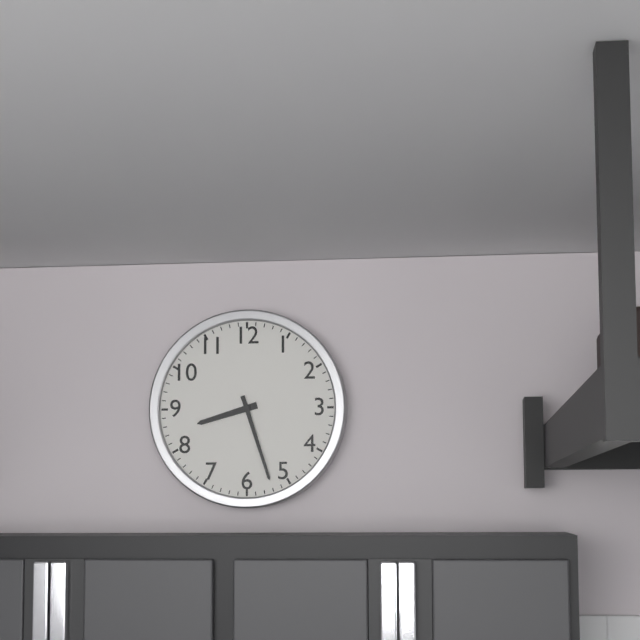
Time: h=8 m=27
